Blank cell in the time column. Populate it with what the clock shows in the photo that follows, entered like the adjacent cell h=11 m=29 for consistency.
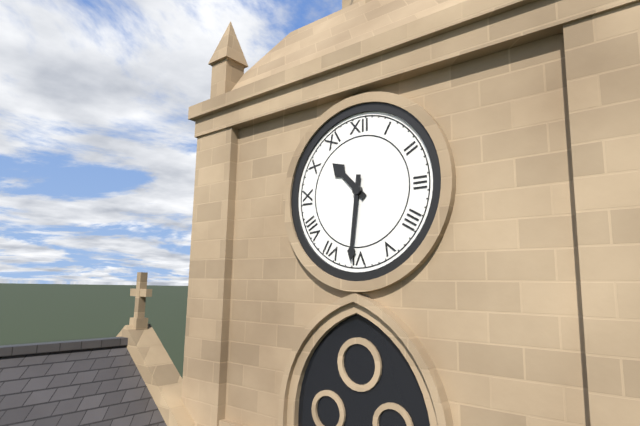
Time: h=10 m=31
